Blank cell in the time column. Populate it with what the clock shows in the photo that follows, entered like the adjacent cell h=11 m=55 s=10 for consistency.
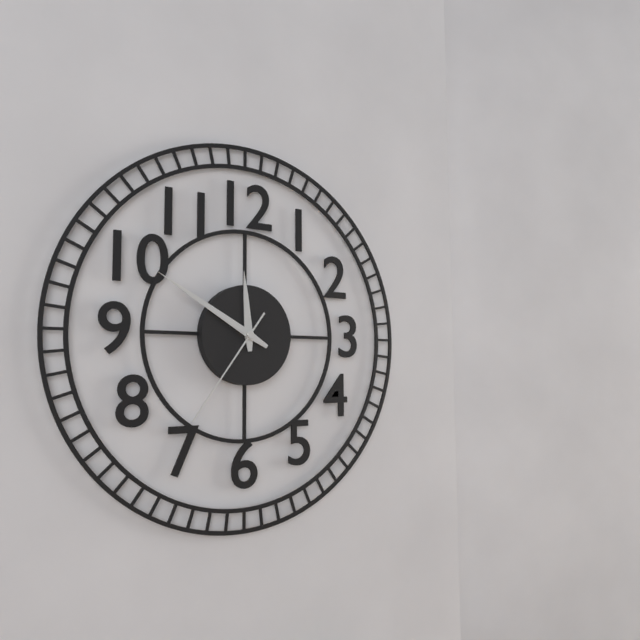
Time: h=11 m=50 s=36
